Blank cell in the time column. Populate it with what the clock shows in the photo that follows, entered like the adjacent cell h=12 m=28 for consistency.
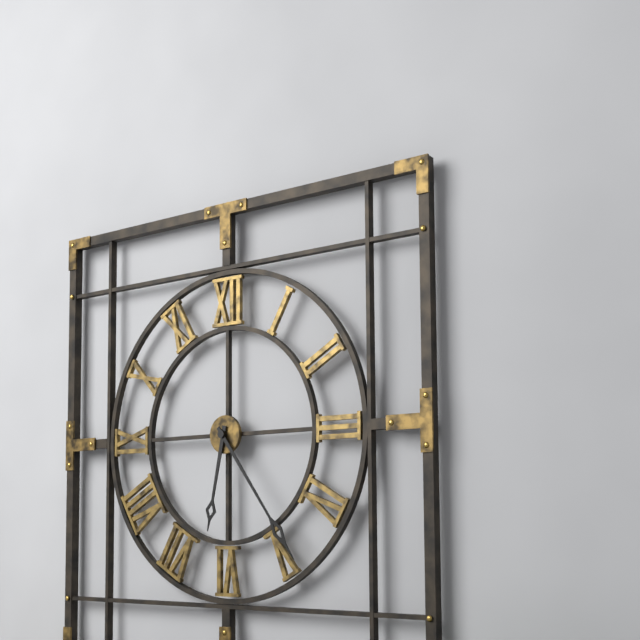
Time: h=6 m=24
